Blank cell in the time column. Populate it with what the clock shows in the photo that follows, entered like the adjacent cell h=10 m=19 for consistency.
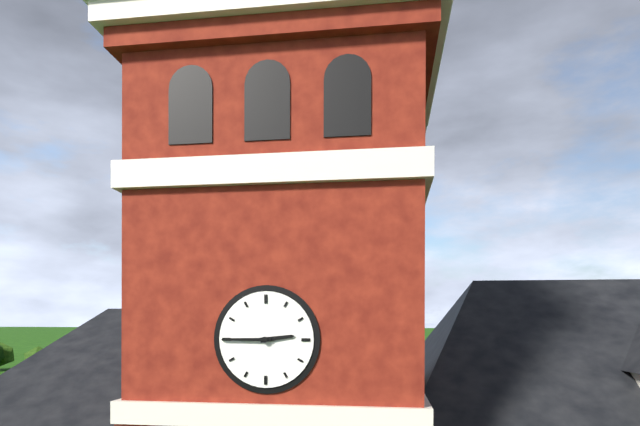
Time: h=2 m=45
